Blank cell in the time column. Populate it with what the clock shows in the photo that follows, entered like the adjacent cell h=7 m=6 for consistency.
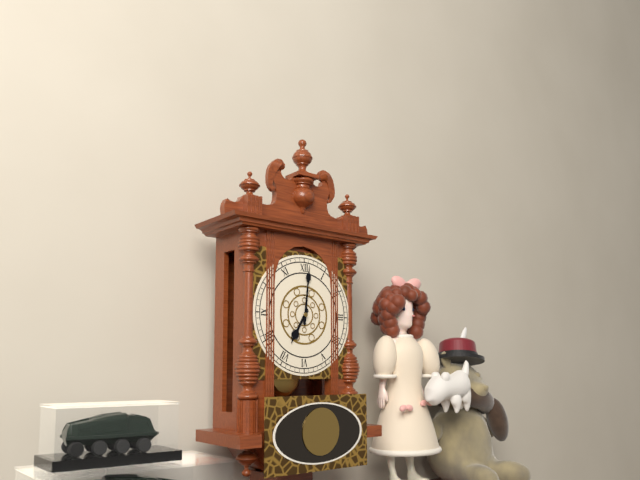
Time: h=7 m=1
